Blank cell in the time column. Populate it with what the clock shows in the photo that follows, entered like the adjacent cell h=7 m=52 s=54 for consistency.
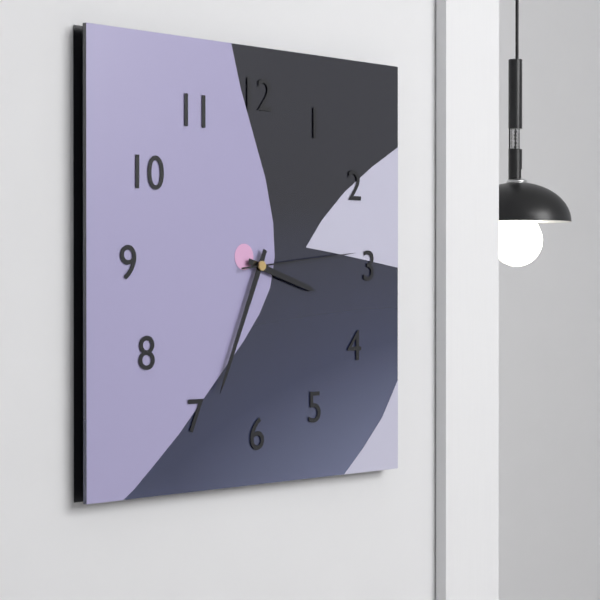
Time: h=3 m=34 s=14
